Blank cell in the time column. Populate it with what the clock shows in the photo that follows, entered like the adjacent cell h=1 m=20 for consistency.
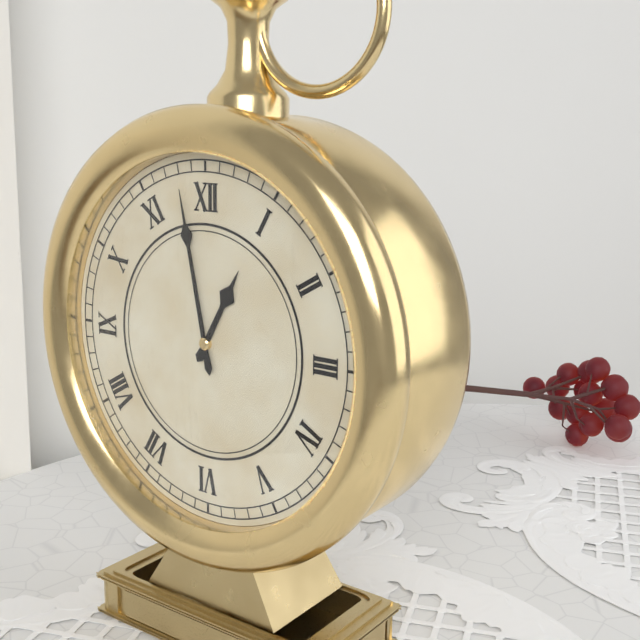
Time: h=12 m=58
